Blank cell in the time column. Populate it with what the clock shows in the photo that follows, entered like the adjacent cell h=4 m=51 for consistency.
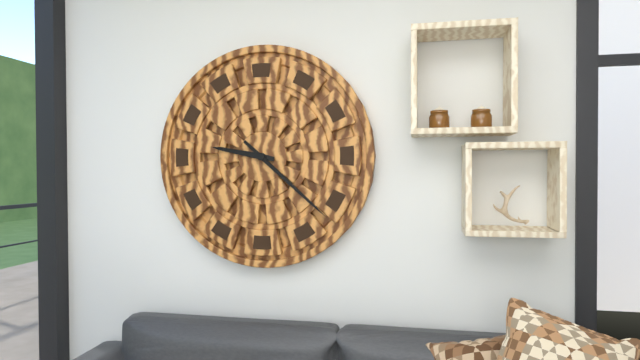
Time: h=9 m=22
